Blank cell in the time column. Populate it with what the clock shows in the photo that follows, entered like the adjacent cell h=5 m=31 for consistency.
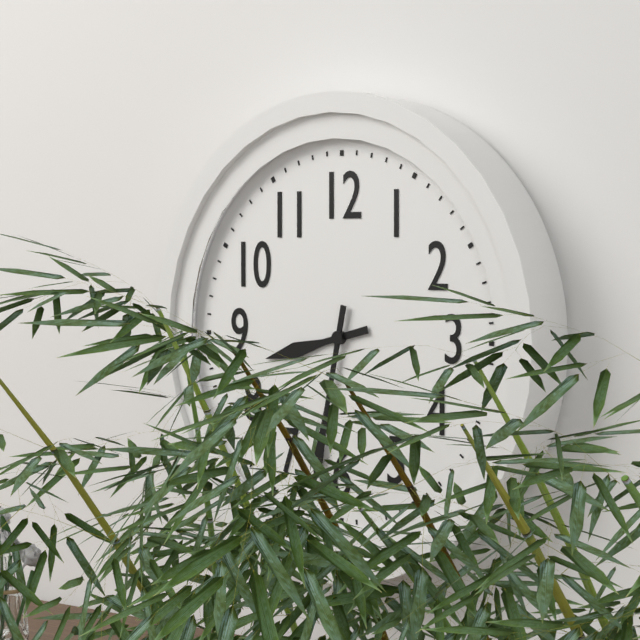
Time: h=8 m=32
